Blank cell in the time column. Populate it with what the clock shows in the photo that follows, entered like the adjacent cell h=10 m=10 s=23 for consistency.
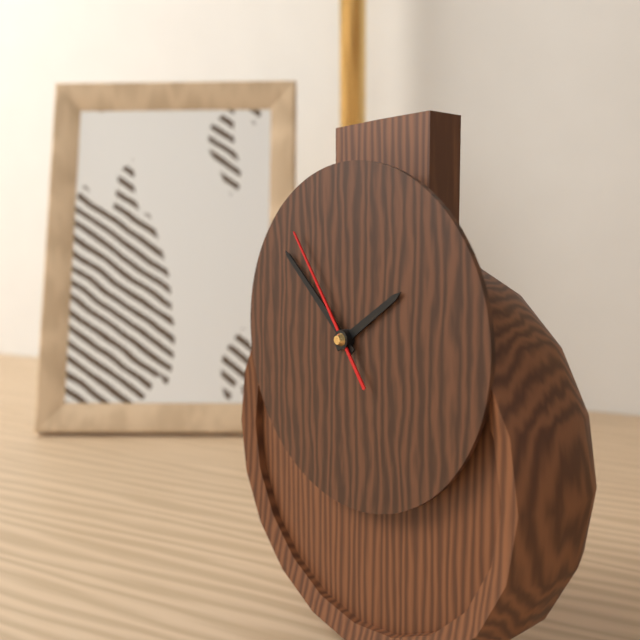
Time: h=1 m=52 s=54
